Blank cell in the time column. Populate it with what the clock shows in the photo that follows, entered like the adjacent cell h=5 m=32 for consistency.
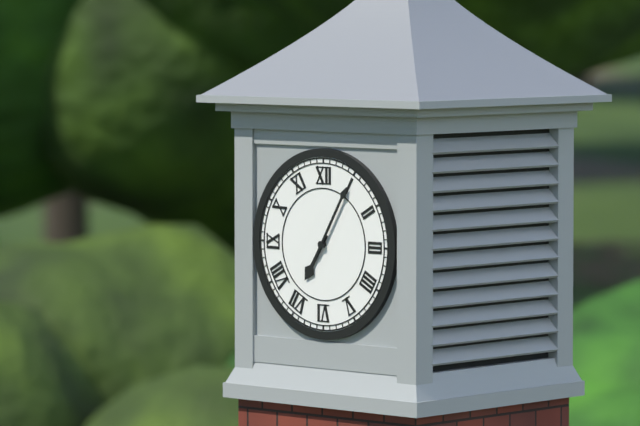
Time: h=7 m=5
